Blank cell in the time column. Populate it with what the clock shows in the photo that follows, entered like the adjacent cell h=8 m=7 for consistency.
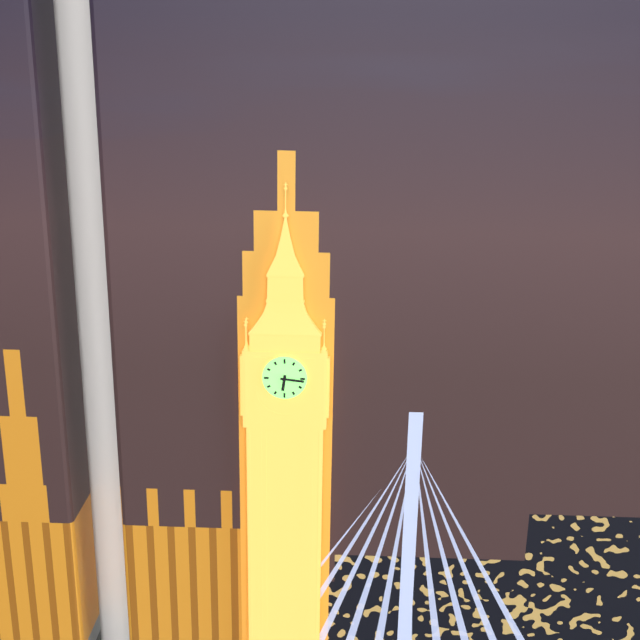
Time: h=6 m=16
